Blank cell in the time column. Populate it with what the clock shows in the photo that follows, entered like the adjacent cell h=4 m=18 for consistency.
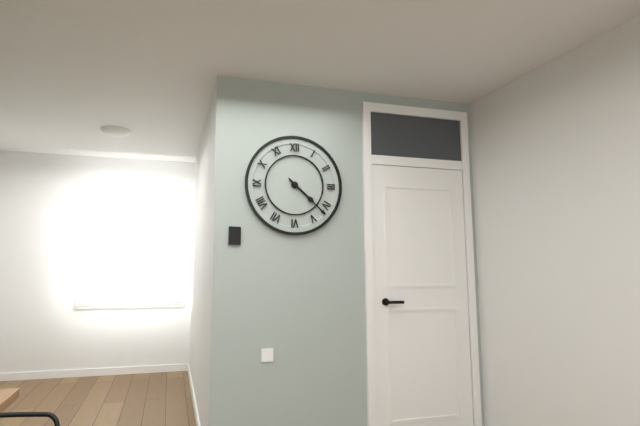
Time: h=4 m=22
